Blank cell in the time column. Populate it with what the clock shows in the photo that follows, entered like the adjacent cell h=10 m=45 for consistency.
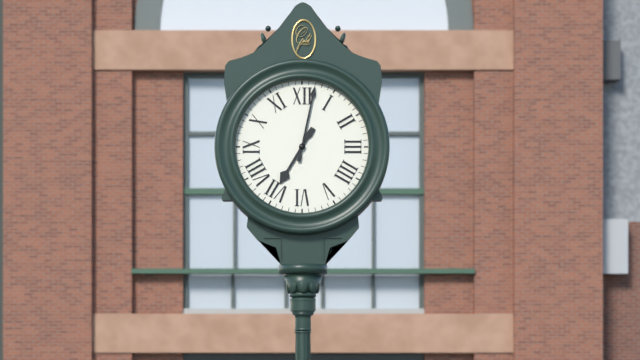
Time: h=7 m=2
